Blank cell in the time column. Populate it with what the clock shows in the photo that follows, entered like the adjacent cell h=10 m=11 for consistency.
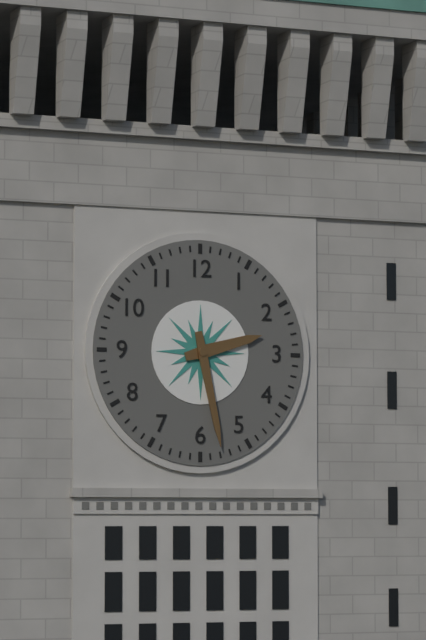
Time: h=2 m=28
